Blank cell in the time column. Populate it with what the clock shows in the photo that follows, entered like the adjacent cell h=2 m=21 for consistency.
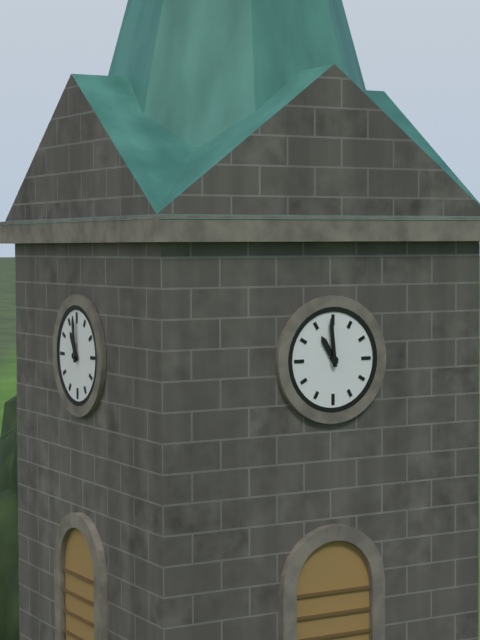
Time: h=10 m=59
